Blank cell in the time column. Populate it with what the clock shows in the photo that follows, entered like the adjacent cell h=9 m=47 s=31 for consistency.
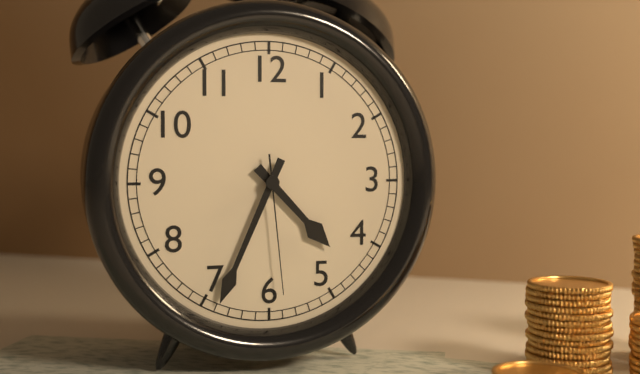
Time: h=4 m=34 s=29
